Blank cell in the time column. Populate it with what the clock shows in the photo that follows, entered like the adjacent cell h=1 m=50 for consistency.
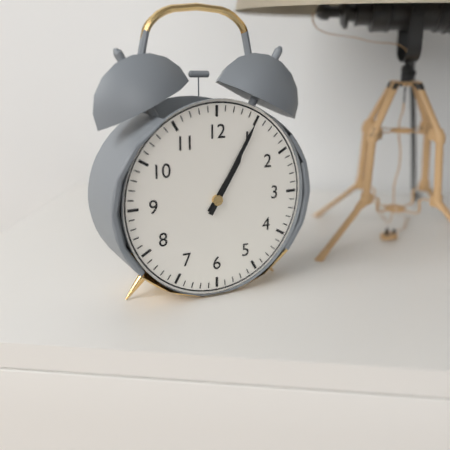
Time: h=1 m=5
